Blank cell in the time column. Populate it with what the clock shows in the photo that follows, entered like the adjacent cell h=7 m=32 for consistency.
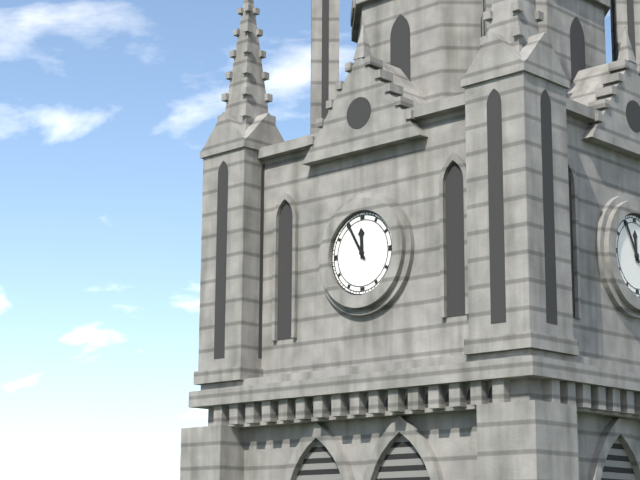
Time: h=11 m=55
